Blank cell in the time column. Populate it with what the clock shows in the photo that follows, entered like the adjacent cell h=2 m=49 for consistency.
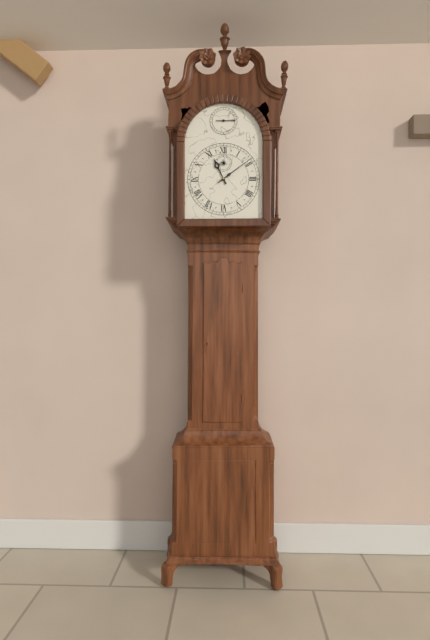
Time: h=11 m=9
